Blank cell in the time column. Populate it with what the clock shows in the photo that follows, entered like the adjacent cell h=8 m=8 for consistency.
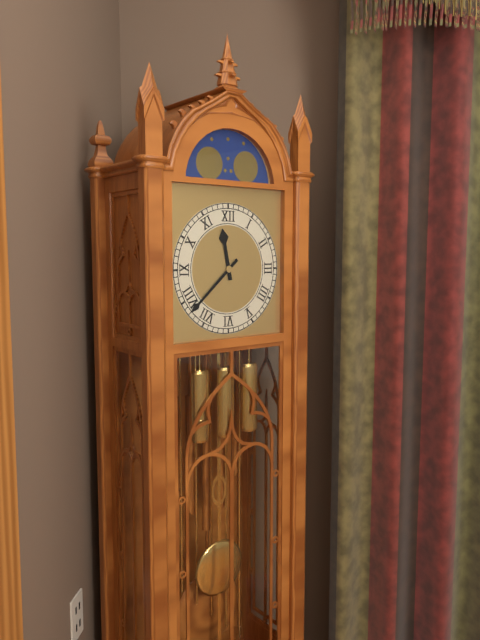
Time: h=11 m=38
